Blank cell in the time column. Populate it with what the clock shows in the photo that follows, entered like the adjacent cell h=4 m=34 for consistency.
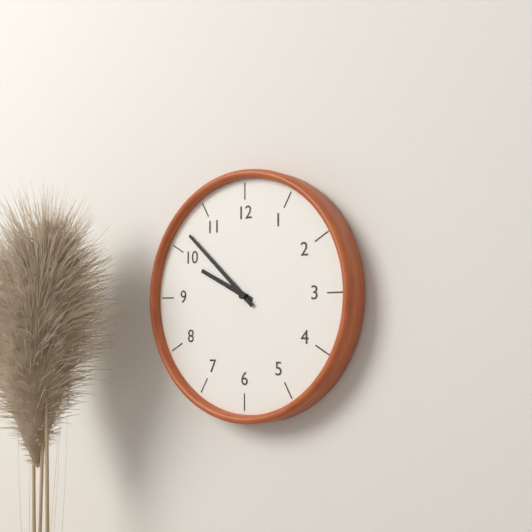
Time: h=9 m=52
